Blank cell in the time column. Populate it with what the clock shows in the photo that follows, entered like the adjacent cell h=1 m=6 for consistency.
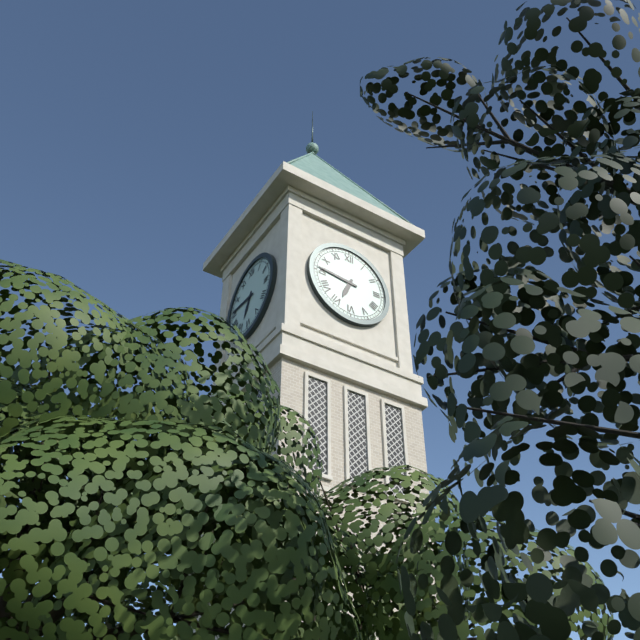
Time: h=6 m=46
